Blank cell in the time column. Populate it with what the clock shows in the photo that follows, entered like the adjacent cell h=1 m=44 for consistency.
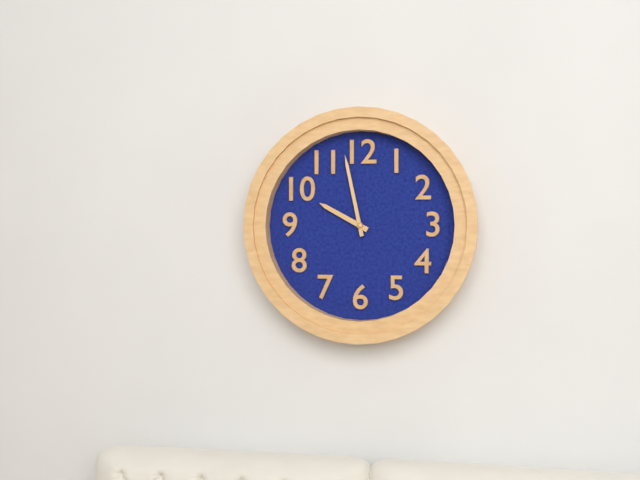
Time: h=9 m=58
